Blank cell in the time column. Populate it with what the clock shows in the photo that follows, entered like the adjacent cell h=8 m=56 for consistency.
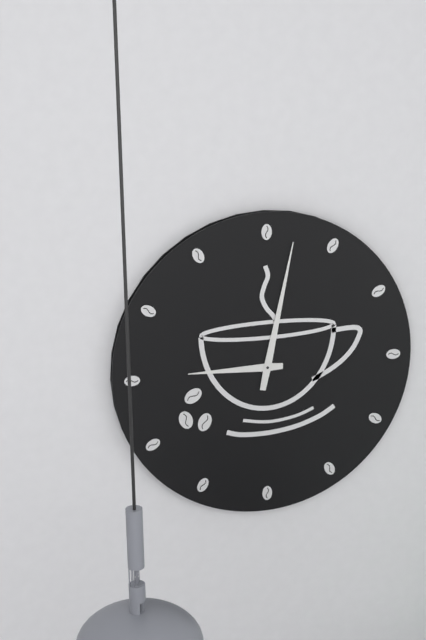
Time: h=9 m=2
